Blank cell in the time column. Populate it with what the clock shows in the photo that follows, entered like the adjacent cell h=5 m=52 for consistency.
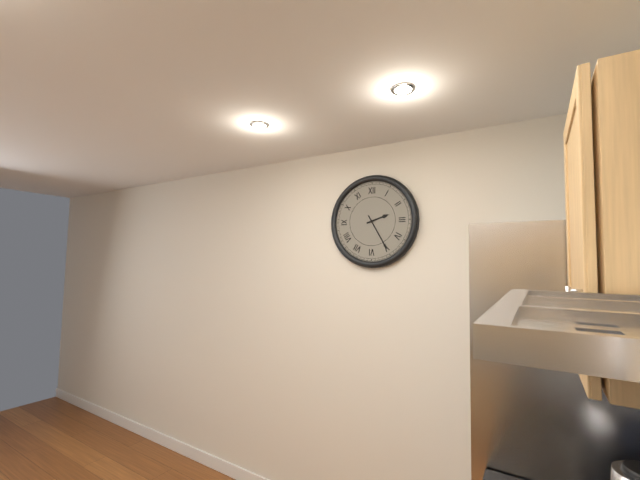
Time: h=2 m=25
